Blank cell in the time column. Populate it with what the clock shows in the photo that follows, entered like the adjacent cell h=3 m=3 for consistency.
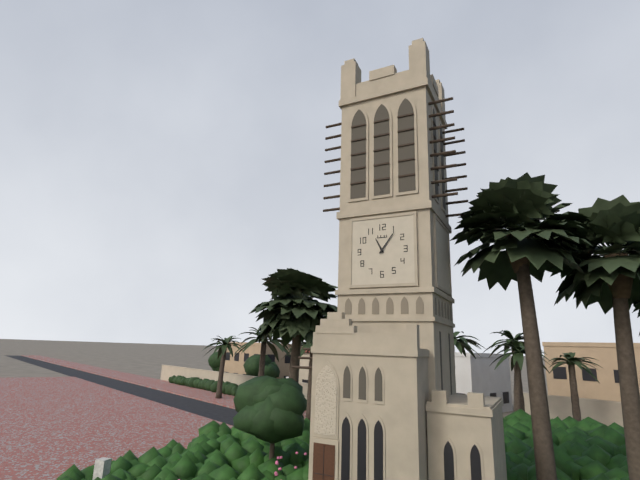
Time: h=11 m=6
